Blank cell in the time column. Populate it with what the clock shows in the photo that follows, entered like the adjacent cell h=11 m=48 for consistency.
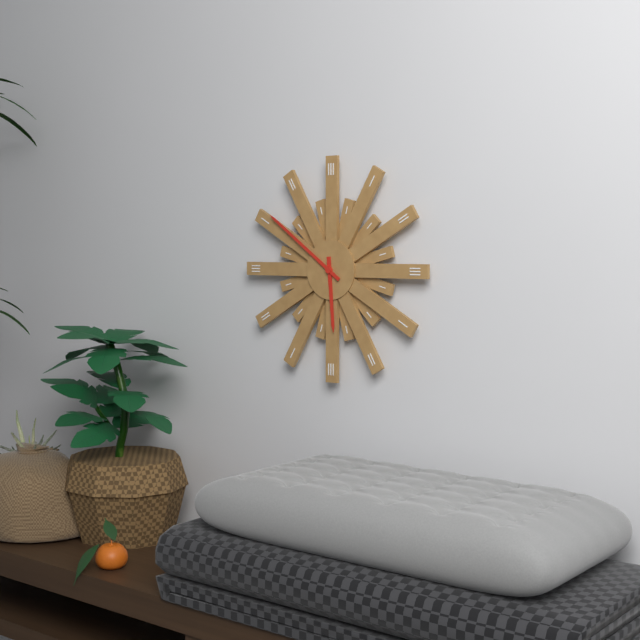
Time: h=5 m=51
